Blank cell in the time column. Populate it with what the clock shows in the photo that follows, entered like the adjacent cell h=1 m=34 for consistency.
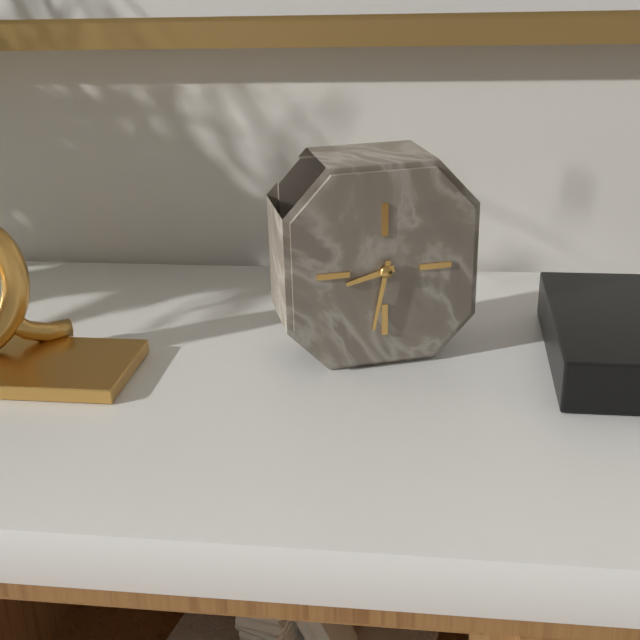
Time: h=8 m=32
